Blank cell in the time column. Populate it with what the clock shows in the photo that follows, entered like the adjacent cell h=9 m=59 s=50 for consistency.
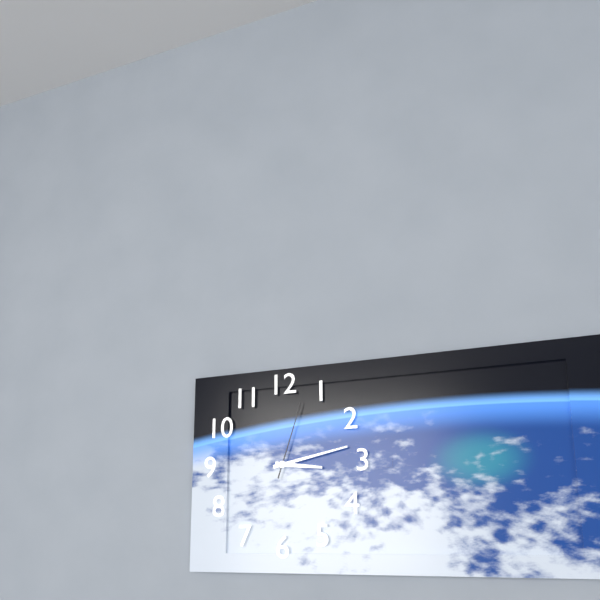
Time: h=3 m=13 s=3
